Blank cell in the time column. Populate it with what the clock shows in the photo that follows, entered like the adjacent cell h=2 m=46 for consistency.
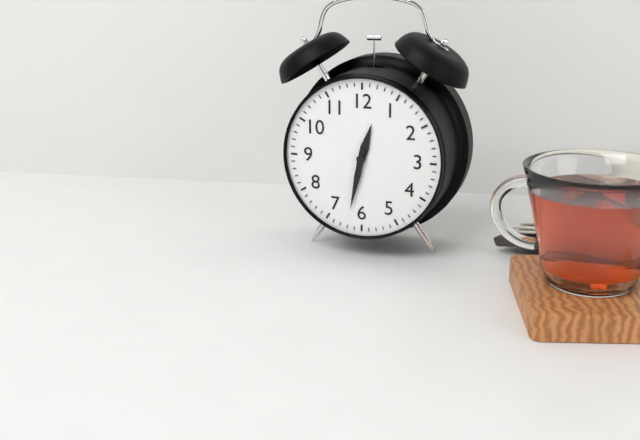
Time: h=12 m=32
